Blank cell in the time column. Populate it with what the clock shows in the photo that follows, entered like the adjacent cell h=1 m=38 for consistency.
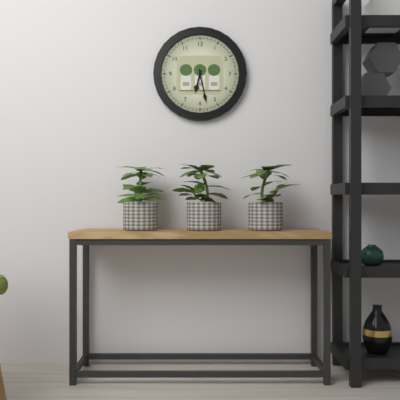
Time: h=6 m=28
